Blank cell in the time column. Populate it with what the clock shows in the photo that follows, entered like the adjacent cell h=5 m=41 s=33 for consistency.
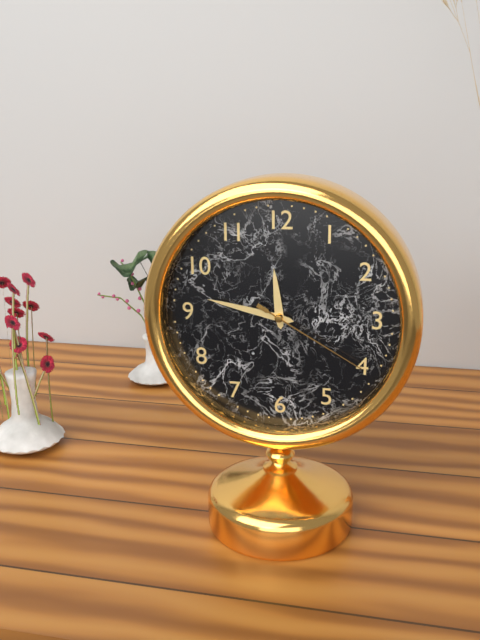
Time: h=11 m=47 s=20
